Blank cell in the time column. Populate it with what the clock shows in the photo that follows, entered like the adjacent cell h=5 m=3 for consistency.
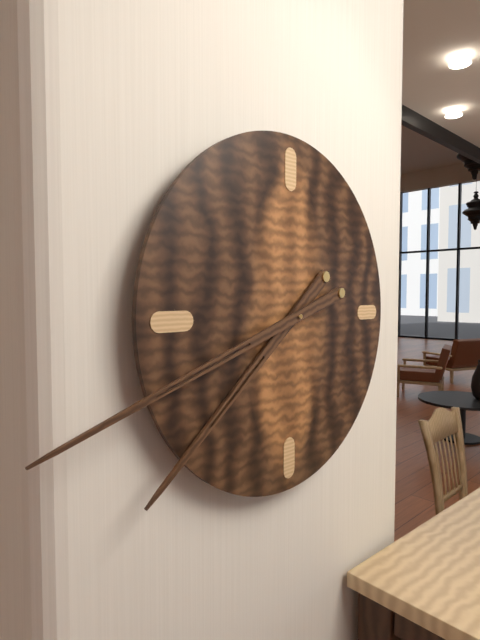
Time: h=7 m=42
